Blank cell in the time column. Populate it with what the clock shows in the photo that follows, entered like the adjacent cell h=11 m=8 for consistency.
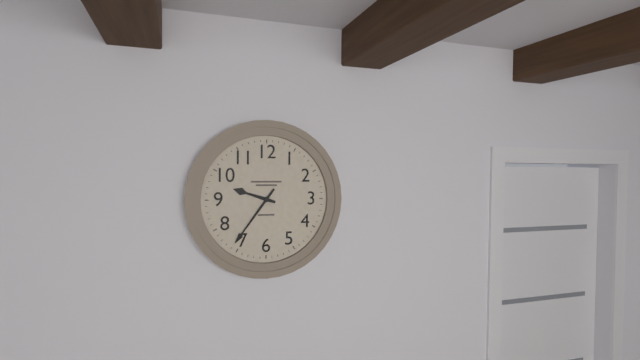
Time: h=9 m=36
